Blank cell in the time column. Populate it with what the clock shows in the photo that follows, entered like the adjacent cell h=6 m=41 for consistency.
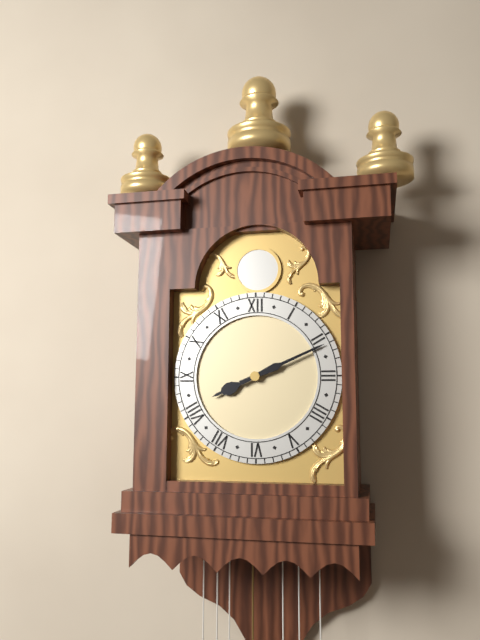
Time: h=8 m=11
